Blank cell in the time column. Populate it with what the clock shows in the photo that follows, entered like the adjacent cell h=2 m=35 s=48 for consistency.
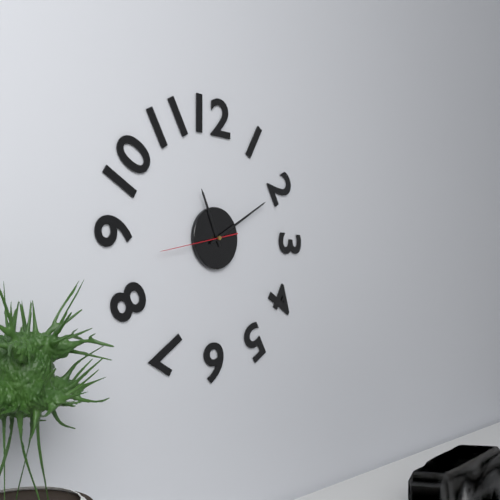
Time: h=11 m=10 s=43
